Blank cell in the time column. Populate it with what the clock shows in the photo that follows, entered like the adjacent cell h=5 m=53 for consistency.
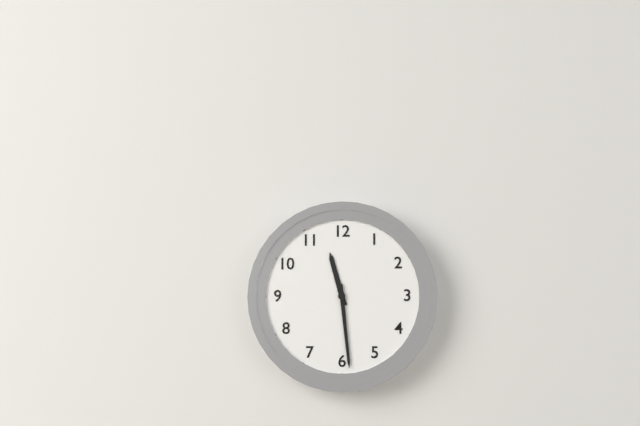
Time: h=11 m=29
